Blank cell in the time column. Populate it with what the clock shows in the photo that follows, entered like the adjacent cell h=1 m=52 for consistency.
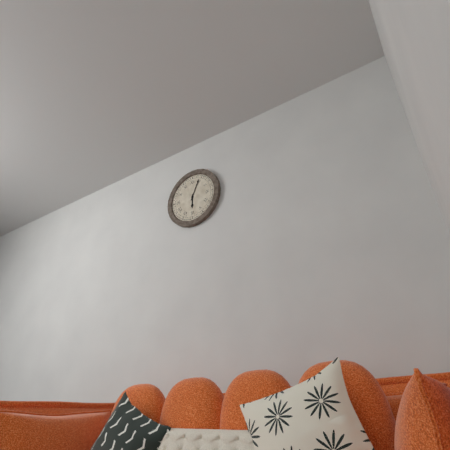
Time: h=6 m=4
